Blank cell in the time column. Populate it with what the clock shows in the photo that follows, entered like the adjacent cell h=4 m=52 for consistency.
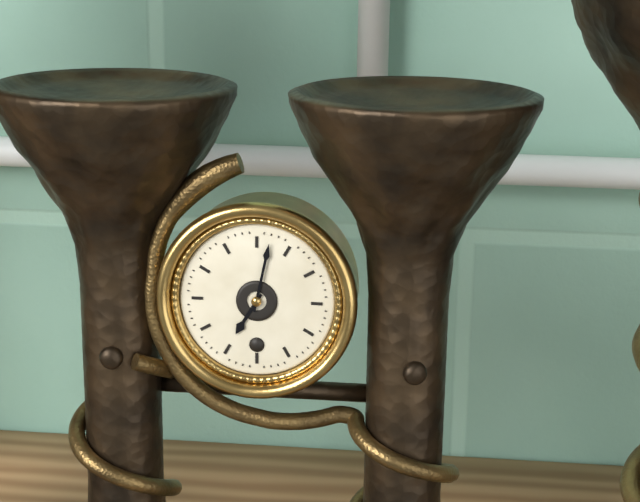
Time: h=7 m=2
